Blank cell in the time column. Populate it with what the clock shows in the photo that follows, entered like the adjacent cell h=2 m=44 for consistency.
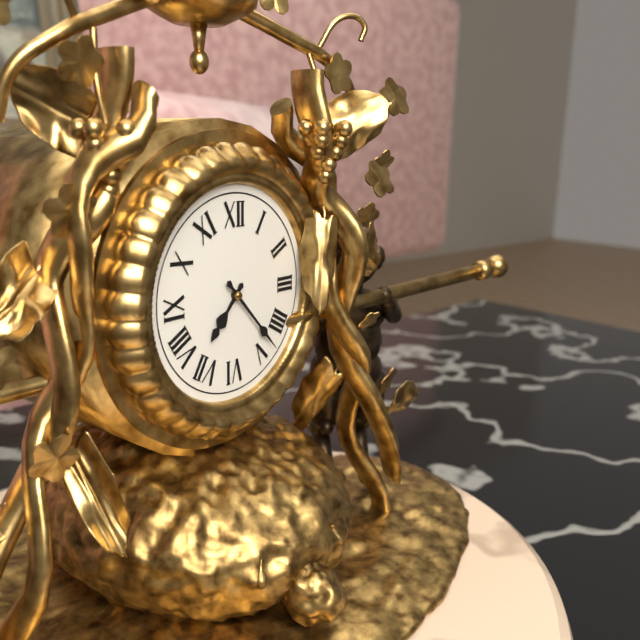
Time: h=7 m=23
